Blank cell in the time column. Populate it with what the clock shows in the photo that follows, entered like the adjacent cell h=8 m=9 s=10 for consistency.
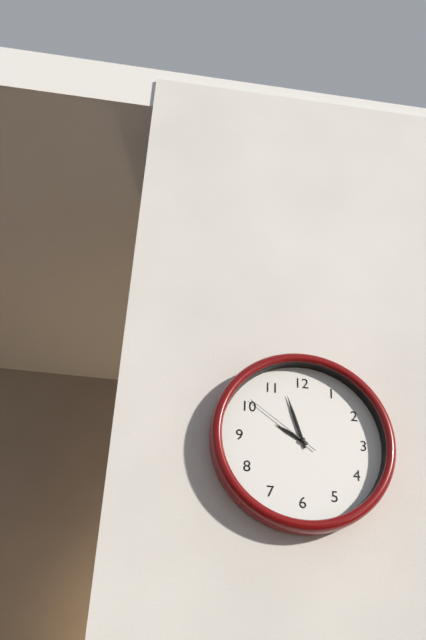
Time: h=9 m=57 s=51
